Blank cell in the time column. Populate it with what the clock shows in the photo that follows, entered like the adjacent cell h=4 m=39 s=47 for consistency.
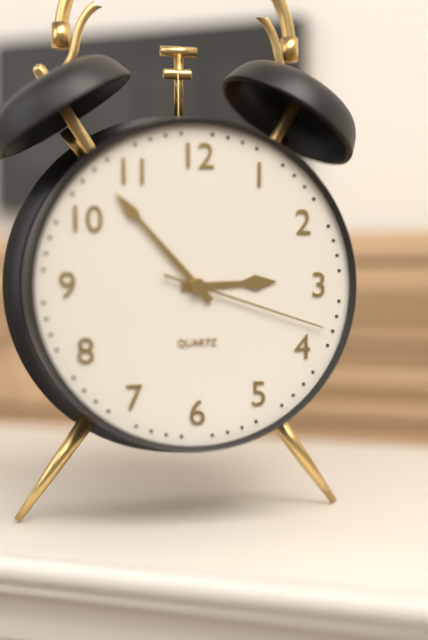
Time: h=2 m=53 s=18
